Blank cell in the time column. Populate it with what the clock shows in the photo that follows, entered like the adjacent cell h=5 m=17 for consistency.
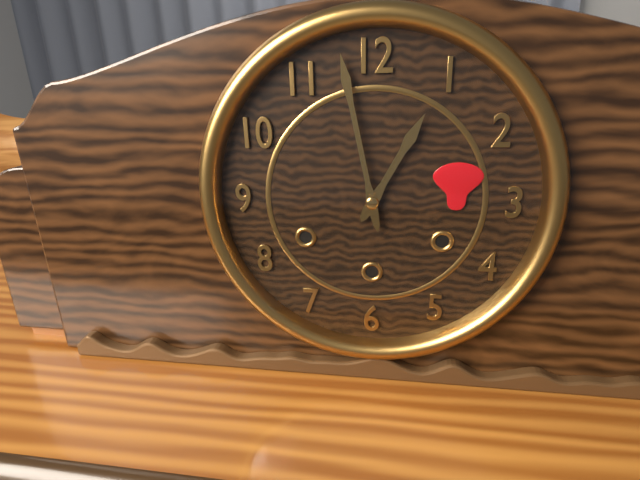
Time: h=12 m=58
